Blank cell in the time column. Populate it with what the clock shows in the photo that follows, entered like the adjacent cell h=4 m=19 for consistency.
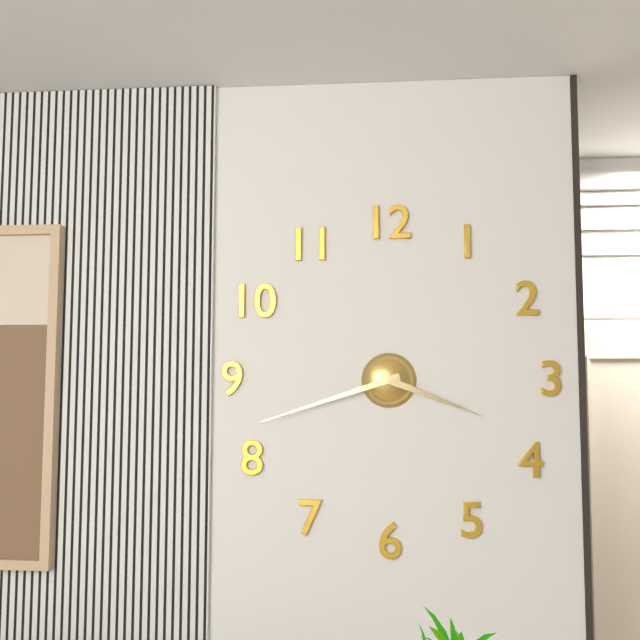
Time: h=3 m=42
